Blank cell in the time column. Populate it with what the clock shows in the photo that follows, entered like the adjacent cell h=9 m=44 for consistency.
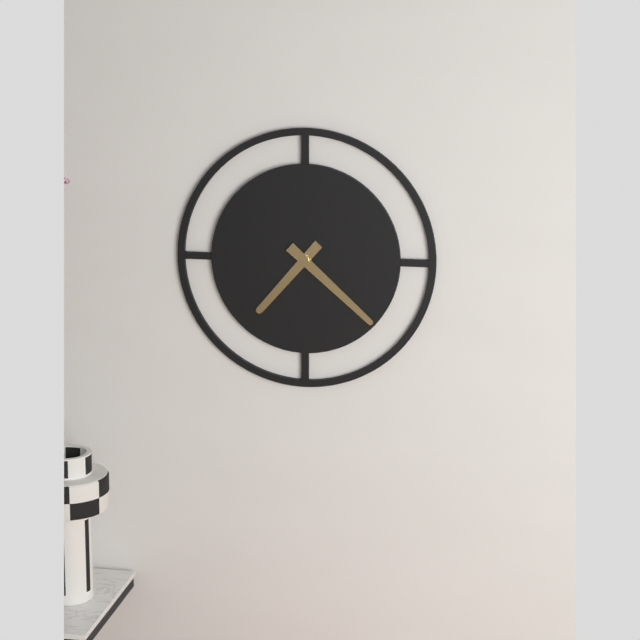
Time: h=7 m=22
